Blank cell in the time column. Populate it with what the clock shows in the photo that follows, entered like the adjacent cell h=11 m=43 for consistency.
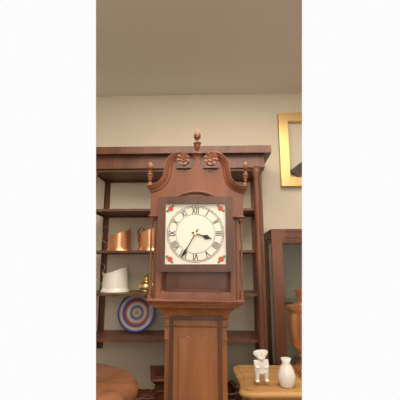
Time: h=3 m=35
